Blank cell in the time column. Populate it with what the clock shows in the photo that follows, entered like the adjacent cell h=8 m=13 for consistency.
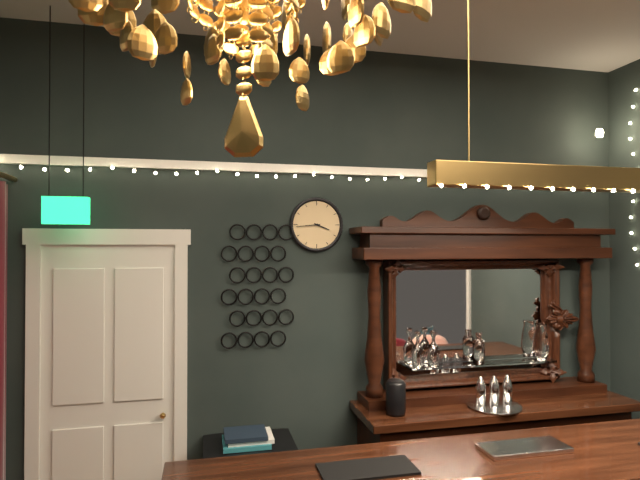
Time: h=3 m=44
